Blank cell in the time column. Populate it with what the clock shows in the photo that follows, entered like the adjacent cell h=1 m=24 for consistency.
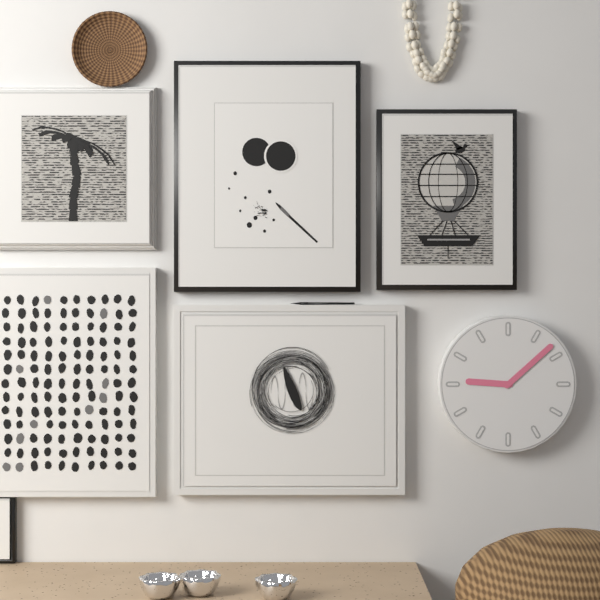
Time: h=9 m=8
